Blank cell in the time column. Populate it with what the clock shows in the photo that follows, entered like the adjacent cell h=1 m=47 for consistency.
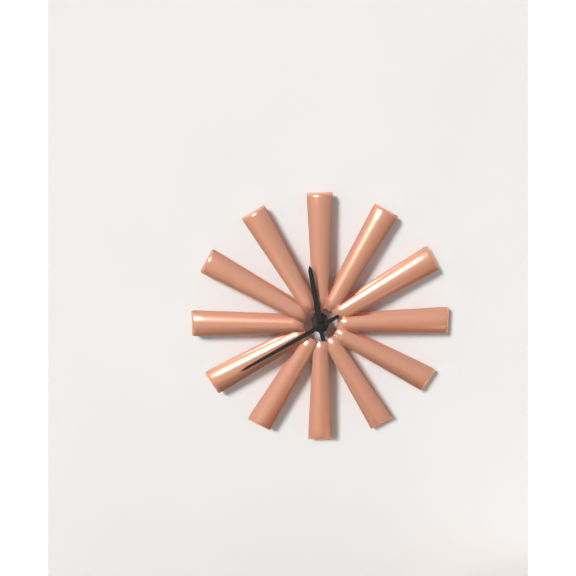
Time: h=11 m=40
